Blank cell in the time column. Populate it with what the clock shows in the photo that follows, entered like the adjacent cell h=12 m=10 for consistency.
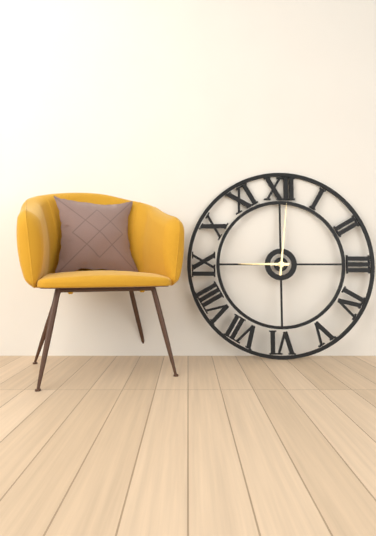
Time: h=9 m=1
